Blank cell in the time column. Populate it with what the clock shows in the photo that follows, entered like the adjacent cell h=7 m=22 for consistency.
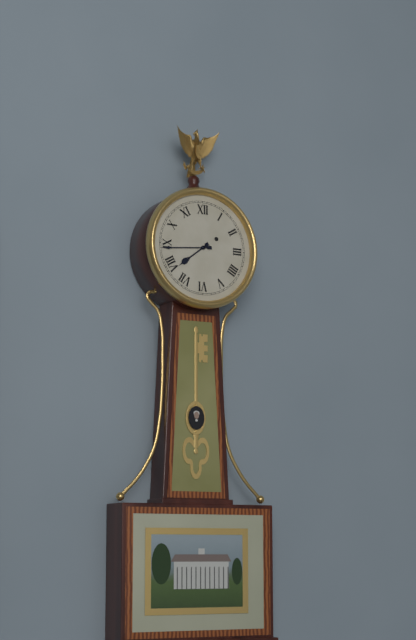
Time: h=7 m=44
